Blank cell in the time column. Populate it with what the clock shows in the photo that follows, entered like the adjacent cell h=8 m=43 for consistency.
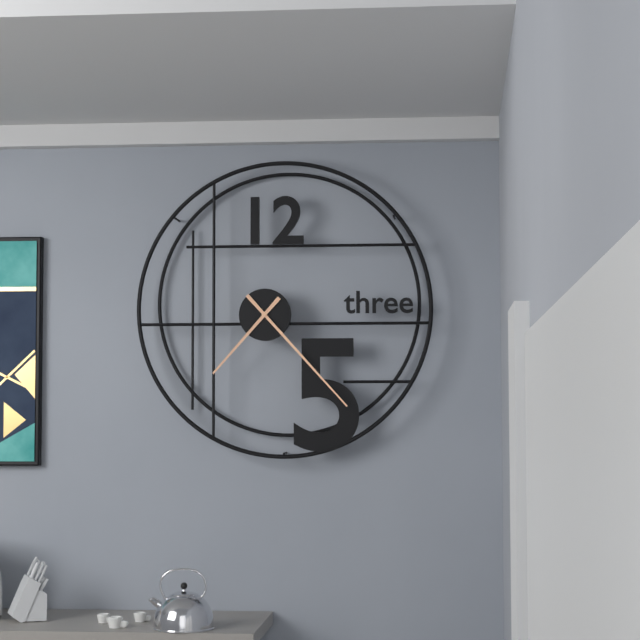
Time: h=7 m=23
